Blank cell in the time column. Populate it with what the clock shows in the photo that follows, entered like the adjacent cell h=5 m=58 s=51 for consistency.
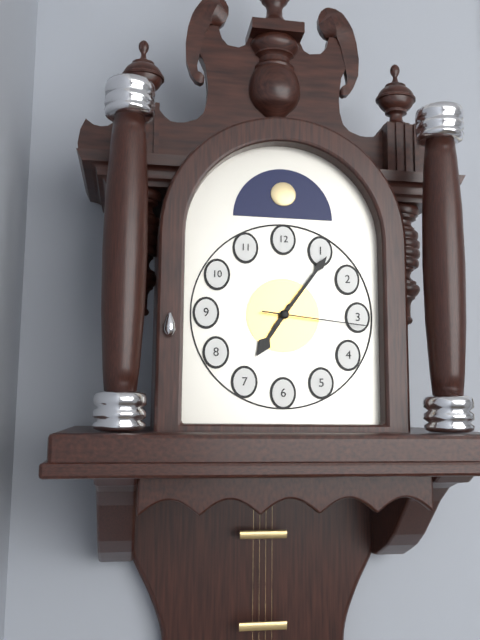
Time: h=7 m=6 s=16
